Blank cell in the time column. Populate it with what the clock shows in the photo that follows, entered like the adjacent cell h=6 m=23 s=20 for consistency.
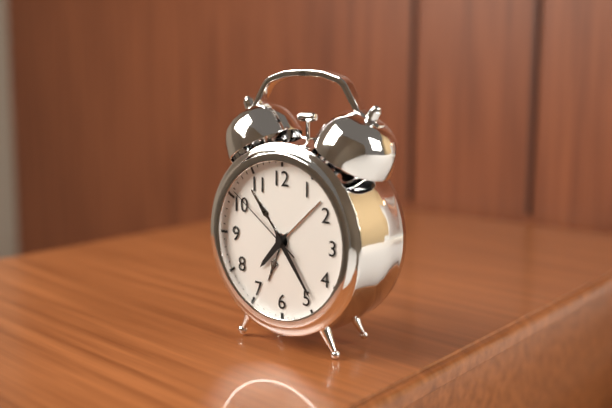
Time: h=7 m=24 s=51
